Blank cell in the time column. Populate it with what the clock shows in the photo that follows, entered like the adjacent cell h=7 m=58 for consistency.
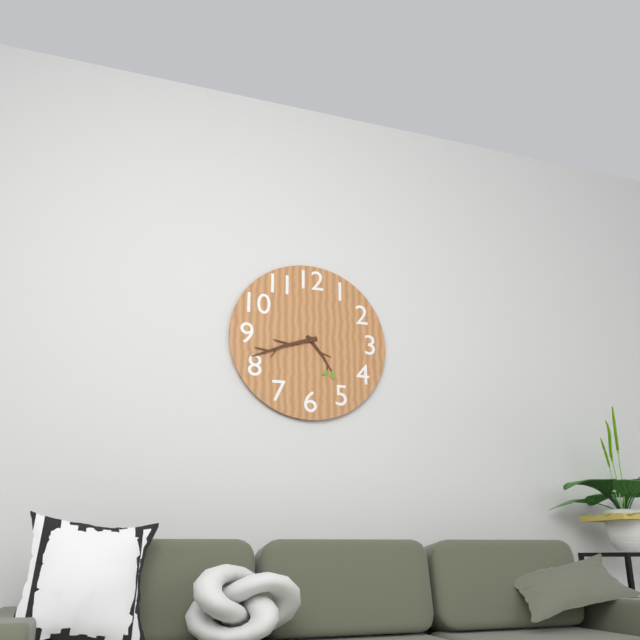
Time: h=4 m=42
